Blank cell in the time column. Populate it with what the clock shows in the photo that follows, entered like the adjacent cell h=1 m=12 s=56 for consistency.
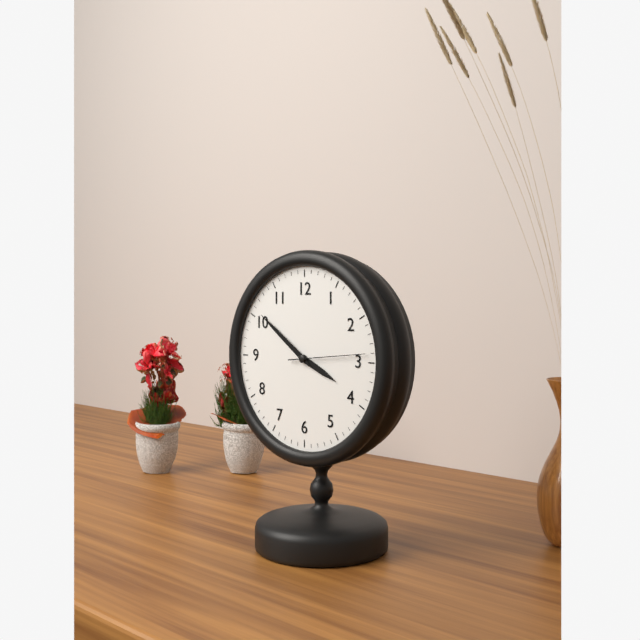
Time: h=3 m=51 s=14
